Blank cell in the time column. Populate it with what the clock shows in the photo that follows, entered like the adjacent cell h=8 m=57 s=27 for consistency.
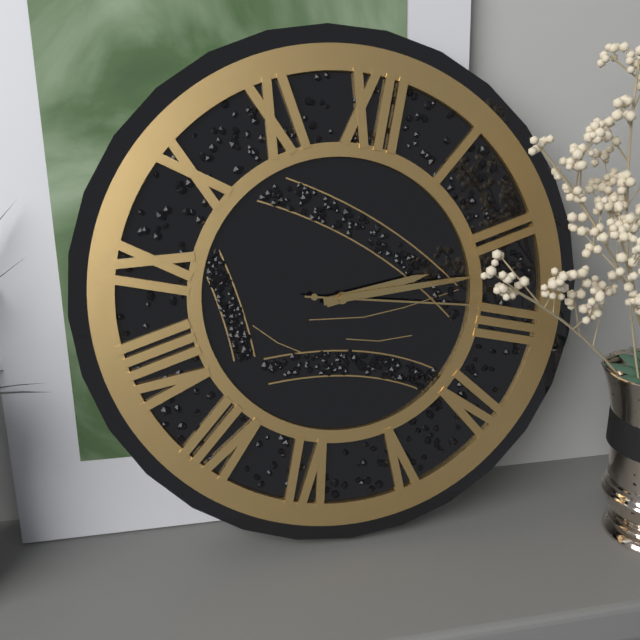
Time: h=2 m=12 s=14
